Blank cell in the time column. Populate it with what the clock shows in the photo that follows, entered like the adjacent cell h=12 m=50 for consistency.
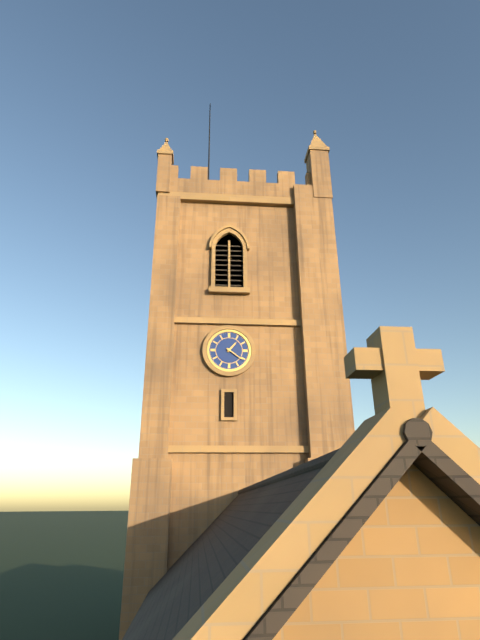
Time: h=1 m=21
